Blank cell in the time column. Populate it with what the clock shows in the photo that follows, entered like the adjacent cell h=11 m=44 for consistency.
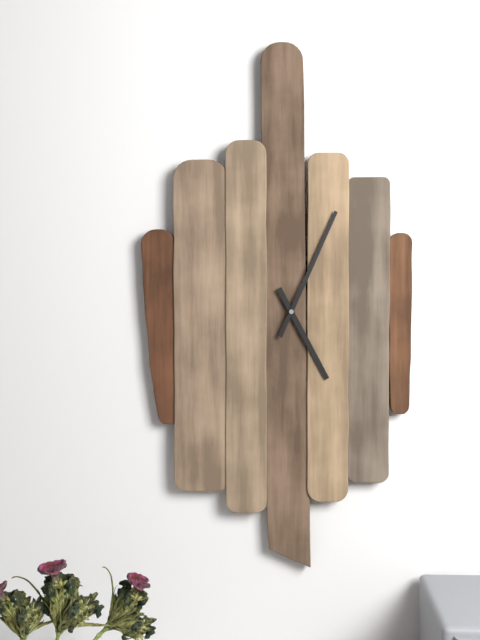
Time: h=5 m=4
